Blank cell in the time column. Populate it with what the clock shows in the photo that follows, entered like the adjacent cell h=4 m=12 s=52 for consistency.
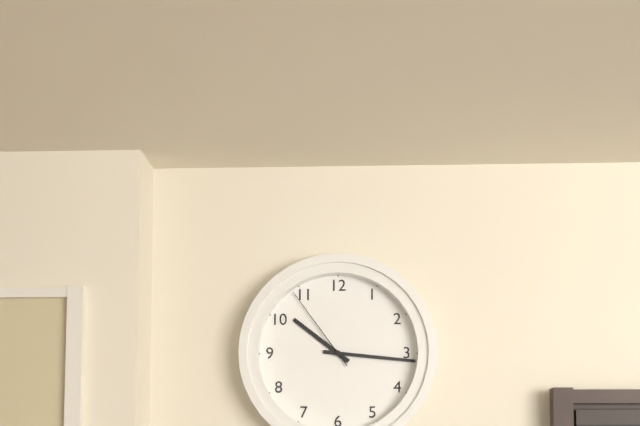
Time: h=10 m=16 s=54
